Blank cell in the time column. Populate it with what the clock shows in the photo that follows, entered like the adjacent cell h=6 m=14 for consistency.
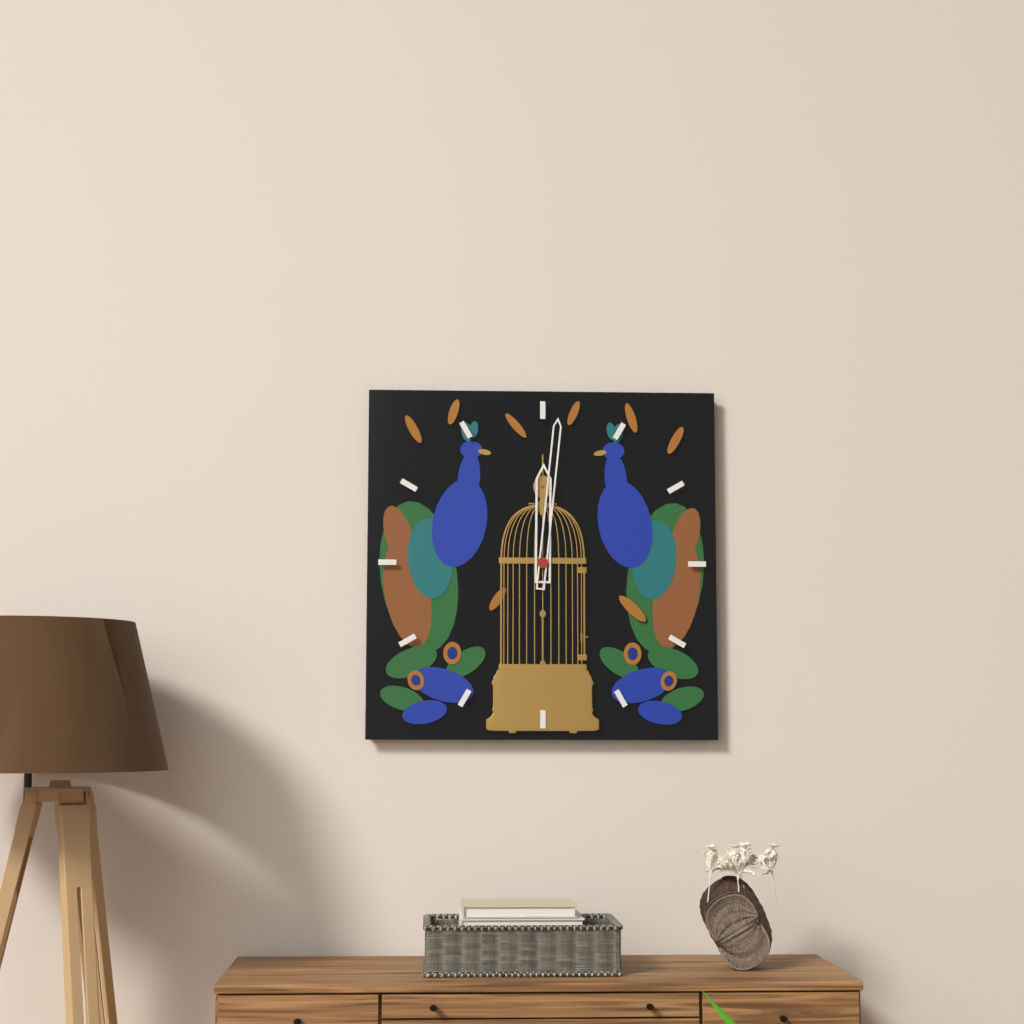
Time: h=12 m=1
